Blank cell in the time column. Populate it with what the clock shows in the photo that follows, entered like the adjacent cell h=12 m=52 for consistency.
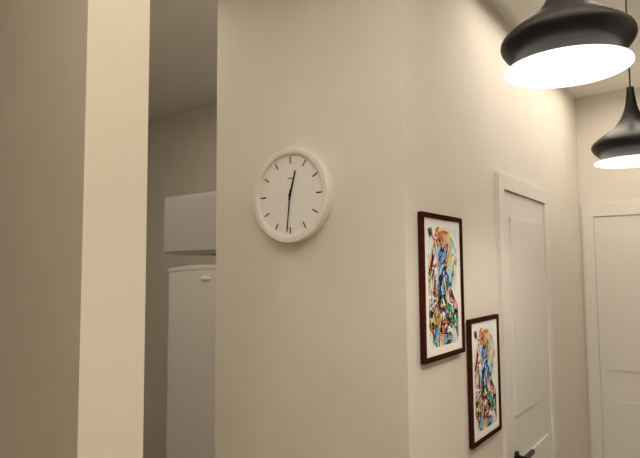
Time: h=12 m=31
